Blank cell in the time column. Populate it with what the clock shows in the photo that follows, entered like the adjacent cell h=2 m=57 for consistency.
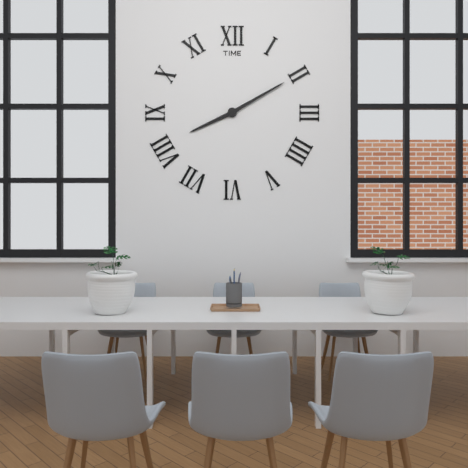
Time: h=8 m=10
